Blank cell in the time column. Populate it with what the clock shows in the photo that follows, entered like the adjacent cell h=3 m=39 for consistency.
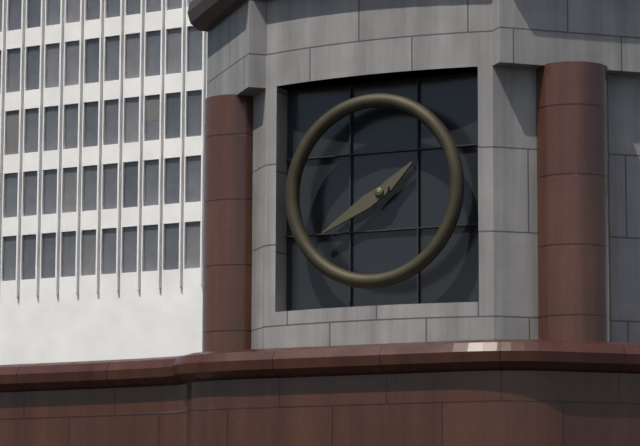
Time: h=1 m=40
